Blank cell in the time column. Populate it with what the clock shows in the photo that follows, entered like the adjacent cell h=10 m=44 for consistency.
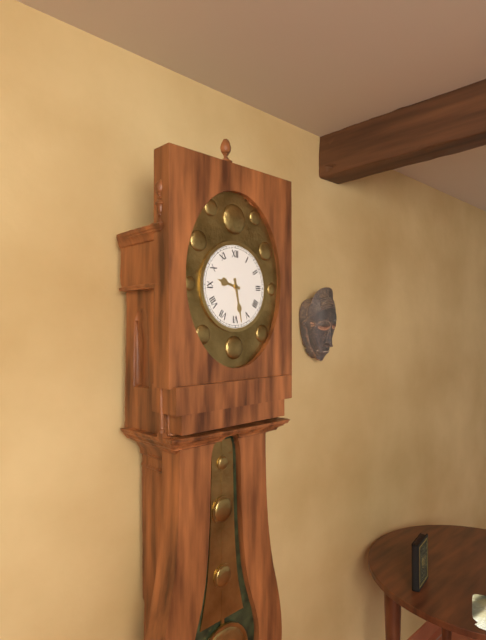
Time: h=9 m=28
